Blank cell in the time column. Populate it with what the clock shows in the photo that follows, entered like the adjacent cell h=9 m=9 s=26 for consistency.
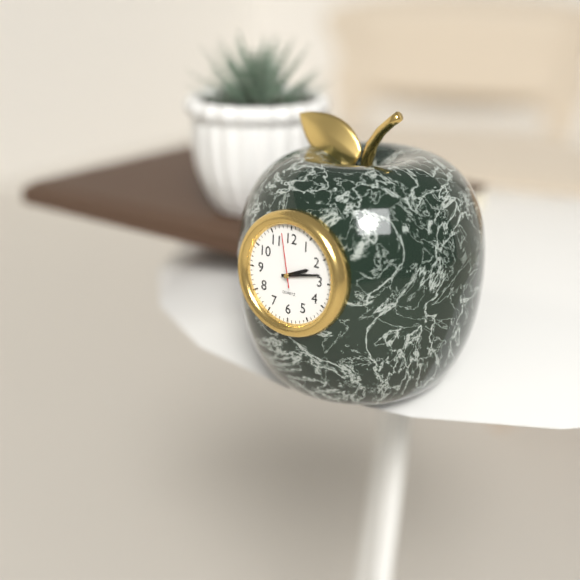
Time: h=2 m=13 s=58
